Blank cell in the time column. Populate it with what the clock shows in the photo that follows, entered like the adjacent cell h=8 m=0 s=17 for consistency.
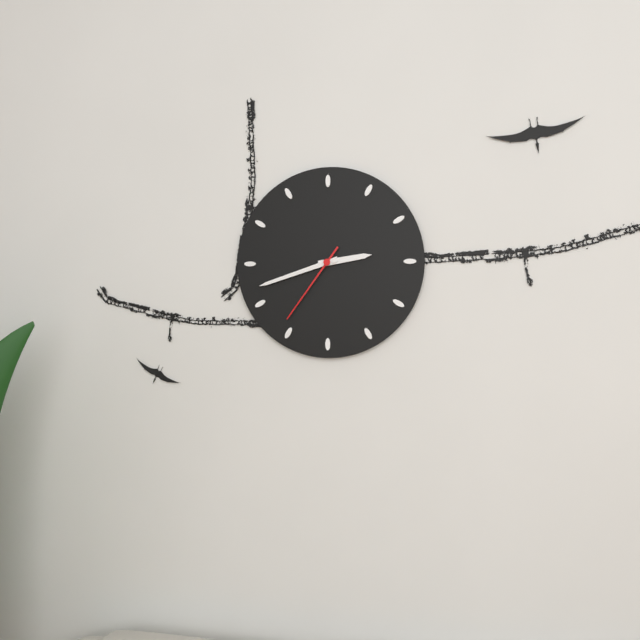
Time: h=2 m=42 s=36
